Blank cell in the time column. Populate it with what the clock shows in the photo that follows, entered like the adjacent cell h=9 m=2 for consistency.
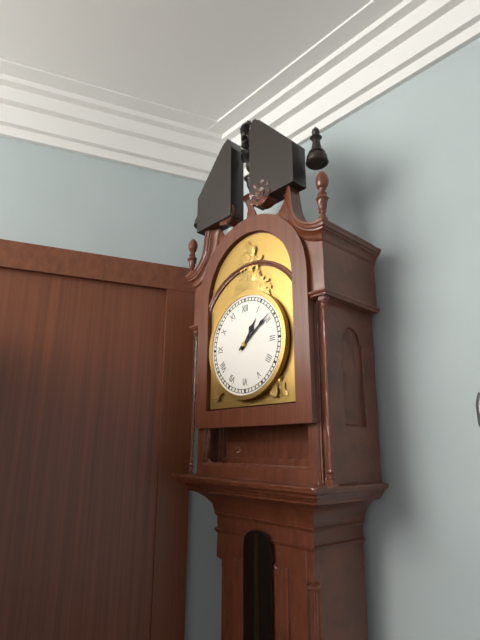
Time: h=1 m=9
